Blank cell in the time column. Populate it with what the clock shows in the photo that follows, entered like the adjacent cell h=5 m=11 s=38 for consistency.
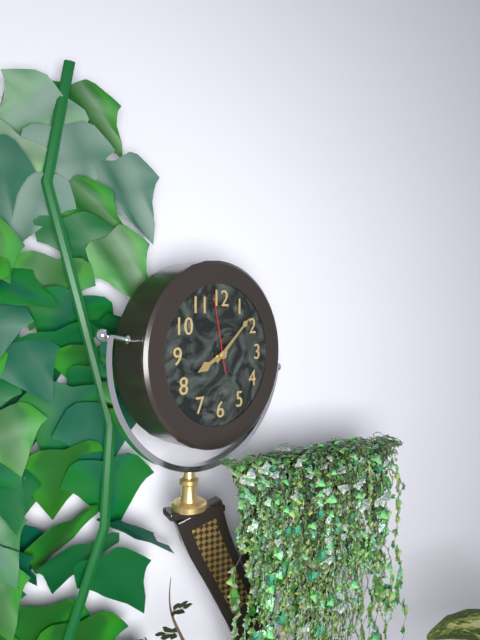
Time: h=8 m=8 s=58
